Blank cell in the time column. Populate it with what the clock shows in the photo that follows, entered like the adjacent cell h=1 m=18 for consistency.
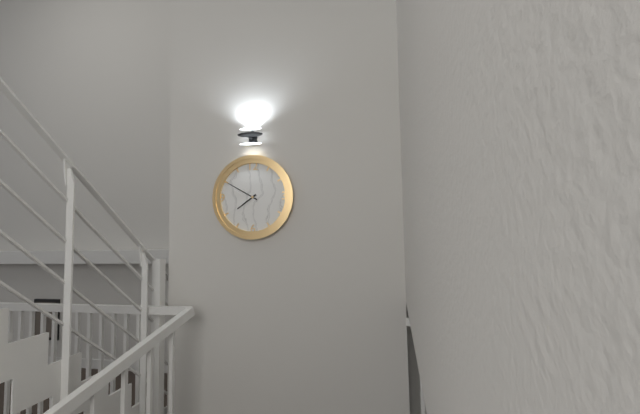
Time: h=7 m=50
